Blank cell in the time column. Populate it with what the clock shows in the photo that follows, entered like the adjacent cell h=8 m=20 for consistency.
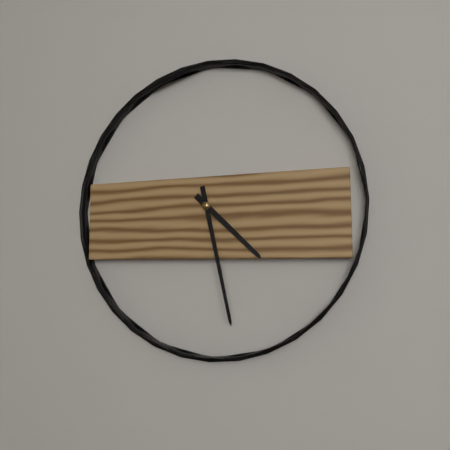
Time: h=4 m=28
